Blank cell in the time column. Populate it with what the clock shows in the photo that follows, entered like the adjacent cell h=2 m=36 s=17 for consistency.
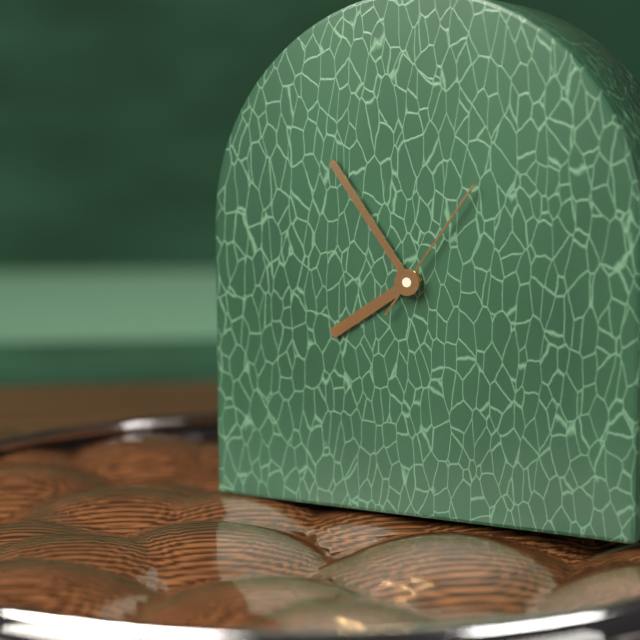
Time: h=7 m=54 s=6
